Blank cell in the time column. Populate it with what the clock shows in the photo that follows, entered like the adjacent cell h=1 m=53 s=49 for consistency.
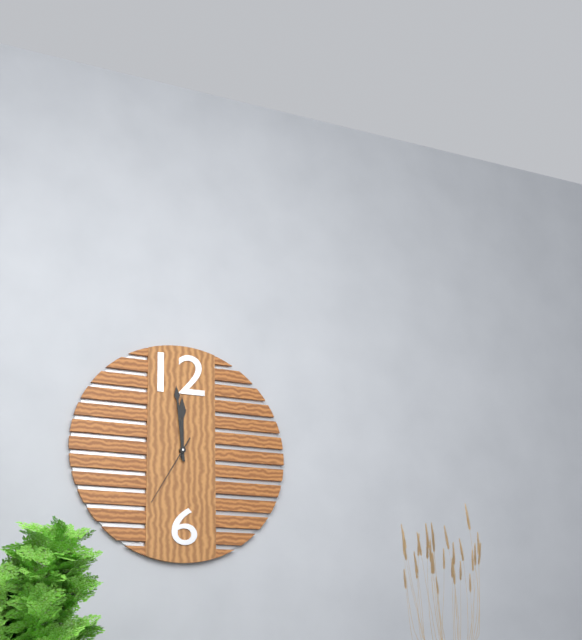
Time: h=11 m=59 s=35
